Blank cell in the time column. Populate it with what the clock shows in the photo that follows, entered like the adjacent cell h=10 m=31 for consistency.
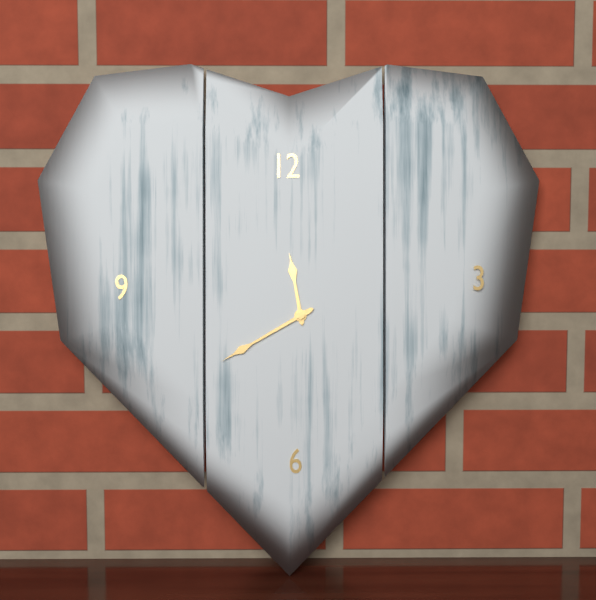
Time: h=11 m=40
